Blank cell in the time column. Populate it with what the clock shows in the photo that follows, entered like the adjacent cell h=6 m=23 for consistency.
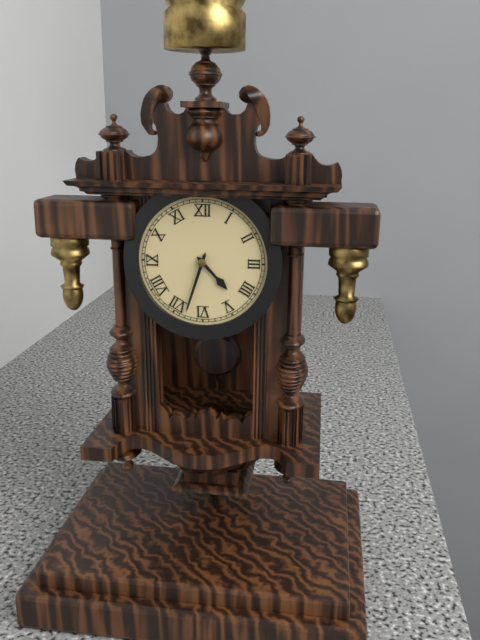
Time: h=4 m=33
